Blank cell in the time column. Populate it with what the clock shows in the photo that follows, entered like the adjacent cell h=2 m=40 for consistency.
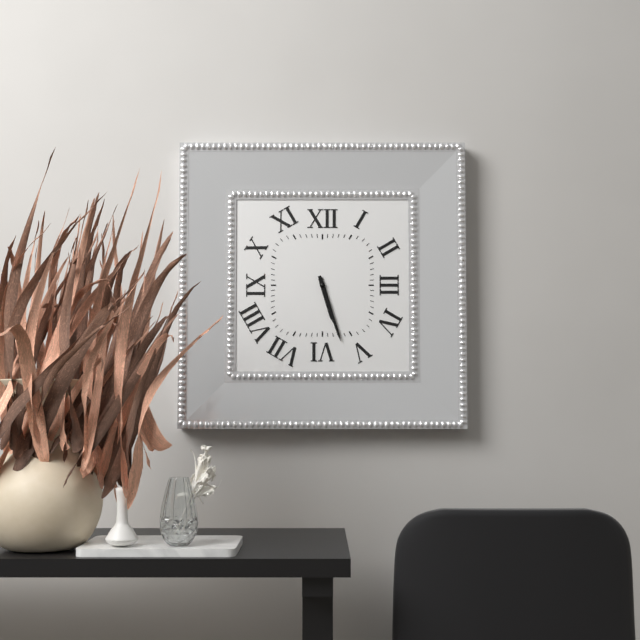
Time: h=5 m=27
